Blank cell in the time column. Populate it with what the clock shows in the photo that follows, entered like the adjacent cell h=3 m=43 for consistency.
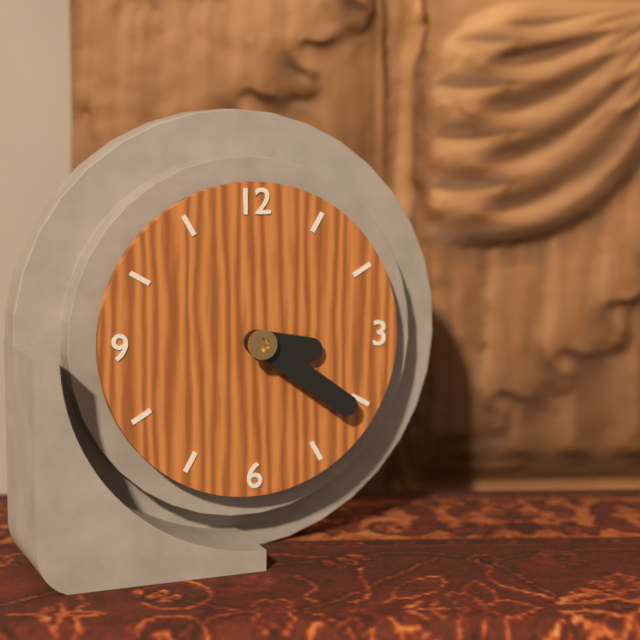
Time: h=3 m=21
